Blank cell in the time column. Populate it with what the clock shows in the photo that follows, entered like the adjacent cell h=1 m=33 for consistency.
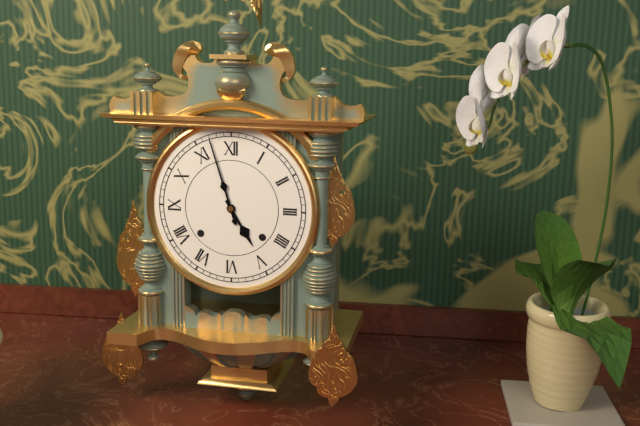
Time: h=4 m=57
